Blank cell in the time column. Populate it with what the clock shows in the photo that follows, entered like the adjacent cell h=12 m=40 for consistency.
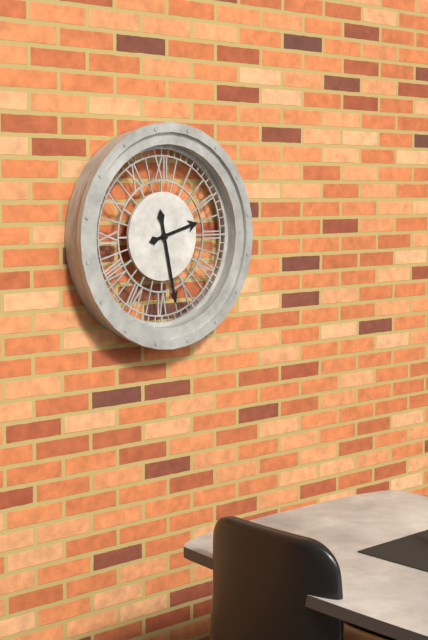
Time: h=2 m=28
